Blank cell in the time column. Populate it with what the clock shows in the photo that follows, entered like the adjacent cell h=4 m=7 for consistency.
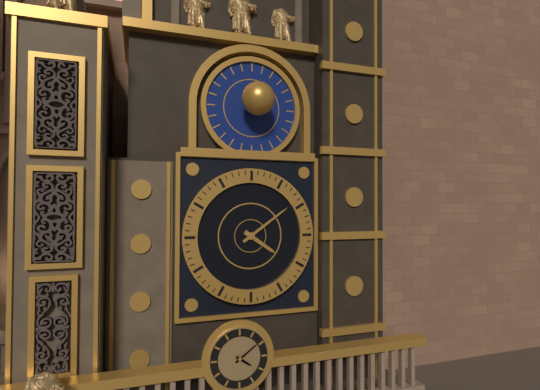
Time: h=4 m=9
